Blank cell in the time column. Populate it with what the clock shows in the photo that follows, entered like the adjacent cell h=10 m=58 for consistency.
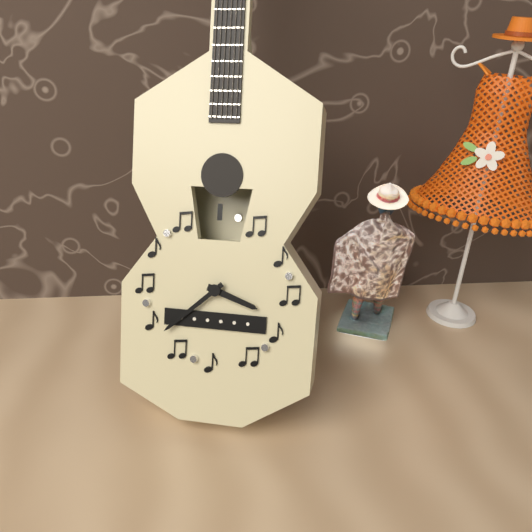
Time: h=3 m=38
